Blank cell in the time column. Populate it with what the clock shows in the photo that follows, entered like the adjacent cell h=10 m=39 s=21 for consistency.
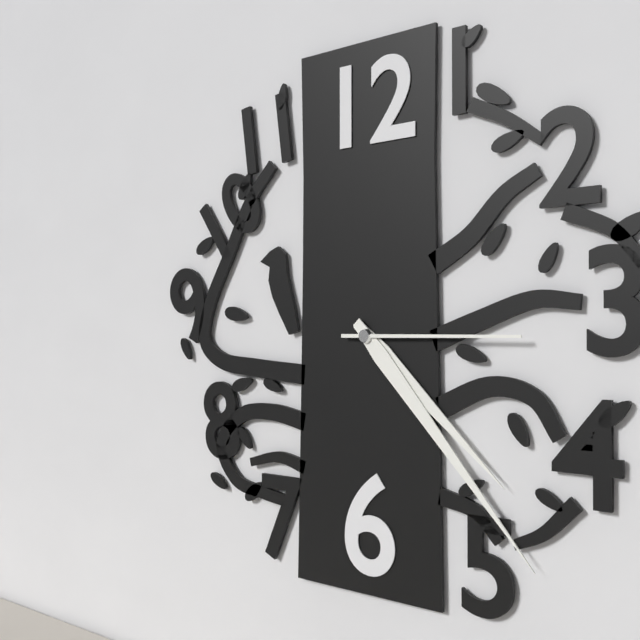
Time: h=4 m=23 s=15
